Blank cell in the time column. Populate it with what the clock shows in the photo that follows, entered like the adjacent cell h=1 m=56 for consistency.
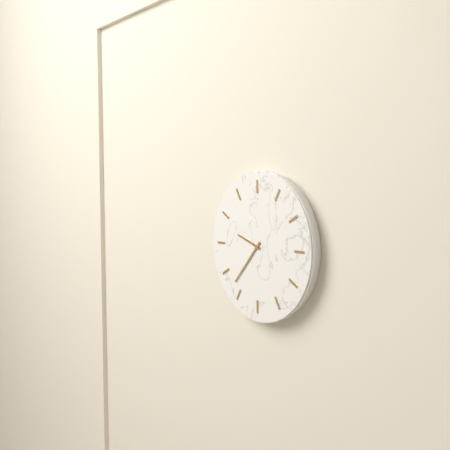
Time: h=9 m=37
